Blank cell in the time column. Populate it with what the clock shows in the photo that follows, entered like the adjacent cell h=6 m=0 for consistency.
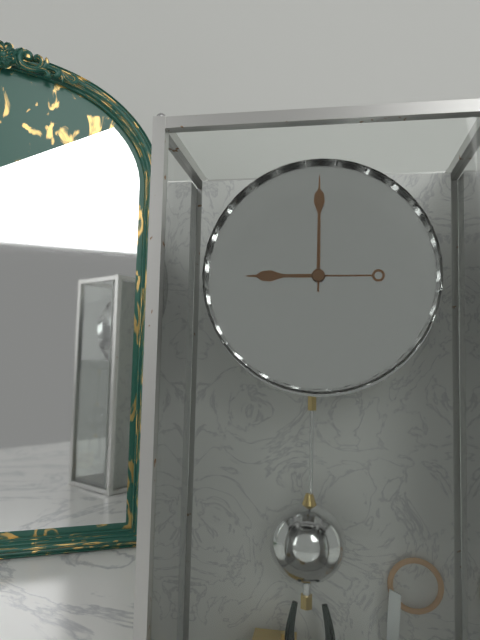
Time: h=9 m=0
